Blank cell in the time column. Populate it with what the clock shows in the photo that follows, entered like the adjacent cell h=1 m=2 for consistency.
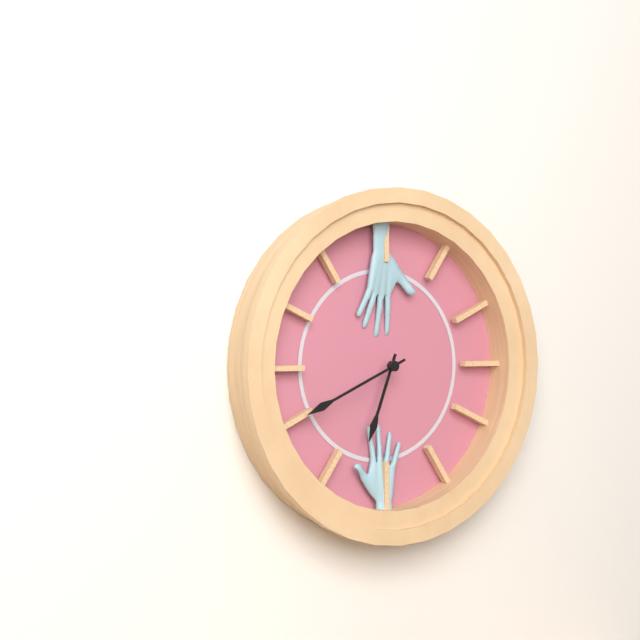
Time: h=6 m=41
